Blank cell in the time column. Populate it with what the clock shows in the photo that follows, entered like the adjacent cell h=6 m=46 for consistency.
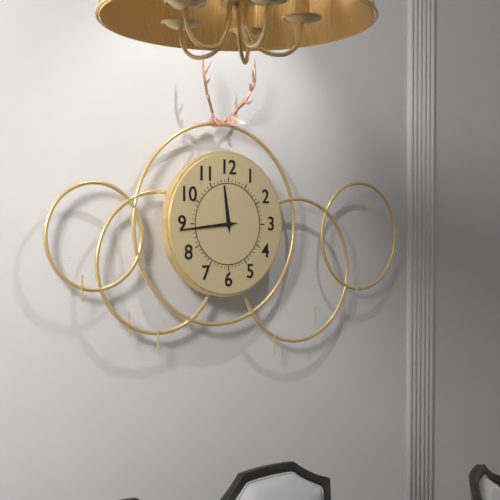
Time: h=11 m=44
